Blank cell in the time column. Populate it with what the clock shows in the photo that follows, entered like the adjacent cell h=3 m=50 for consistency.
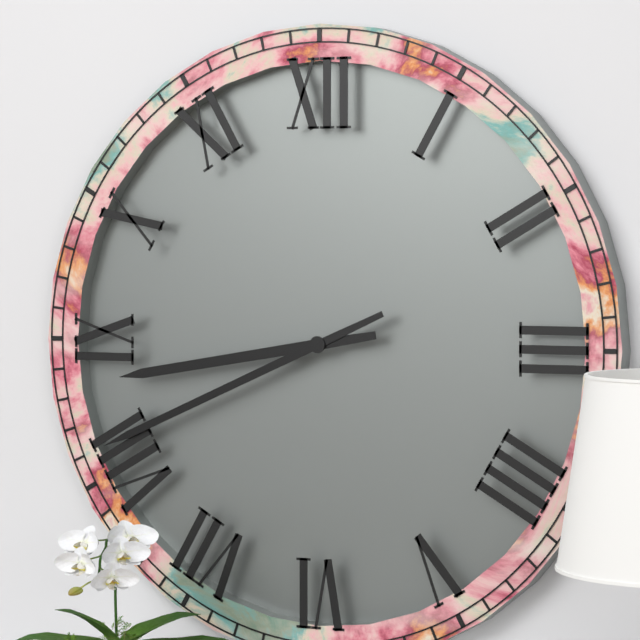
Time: h=8 m=41
